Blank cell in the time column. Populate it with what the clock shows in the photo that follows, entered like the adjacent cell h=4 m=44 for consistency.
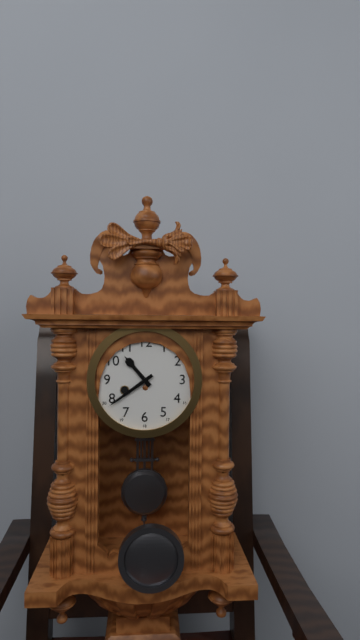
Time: h=10 m=39
